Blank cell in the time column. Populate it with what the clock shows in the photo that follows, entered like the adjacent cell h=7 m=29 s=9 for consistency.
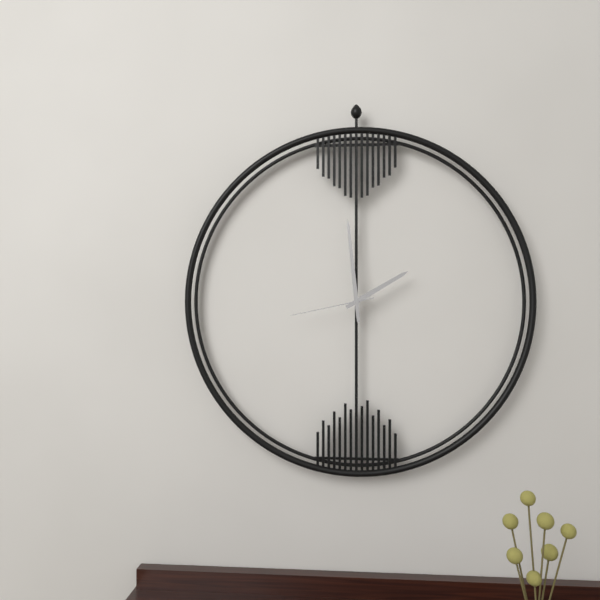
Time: h=1 m=59 s=43
